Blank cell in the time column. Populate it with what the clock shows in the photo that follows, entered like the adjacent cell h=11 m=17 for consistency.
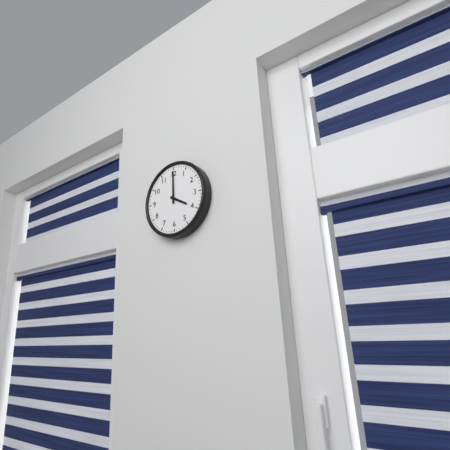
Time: h=4 m=0
